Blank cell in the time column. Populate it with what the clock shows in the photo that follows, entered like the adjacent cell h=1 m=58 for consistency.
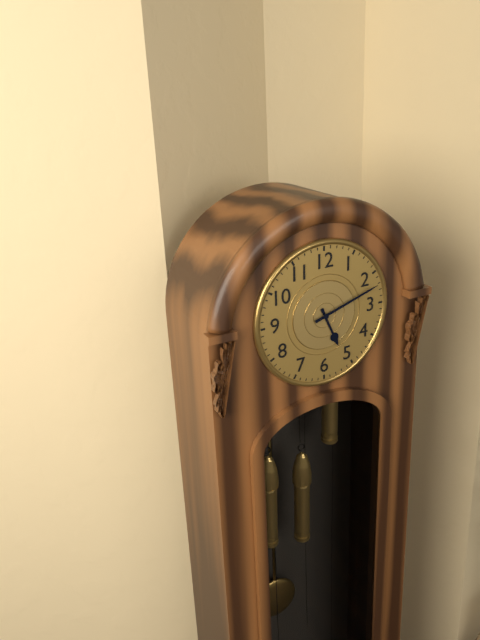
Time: h=5 m=12
